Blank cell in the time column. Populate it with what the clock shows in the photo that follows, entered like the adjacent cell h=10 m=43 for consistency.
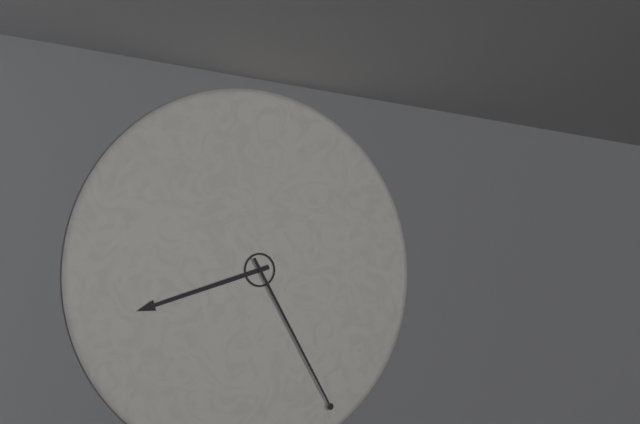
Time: h=8 m=25
